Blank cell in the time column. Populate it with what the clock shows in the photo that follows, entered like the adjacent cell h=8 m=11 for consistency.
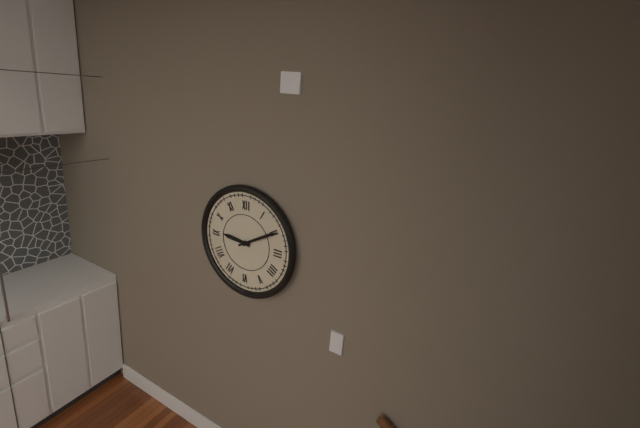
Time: h=9 m=10
